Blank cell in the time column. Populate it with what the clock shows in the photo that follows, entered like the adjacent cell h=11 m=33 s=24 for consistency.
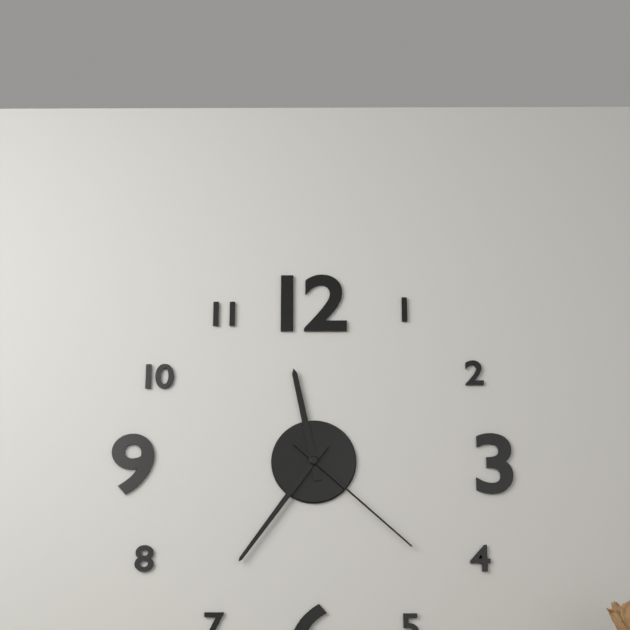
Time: h=11 m=36 s=22
